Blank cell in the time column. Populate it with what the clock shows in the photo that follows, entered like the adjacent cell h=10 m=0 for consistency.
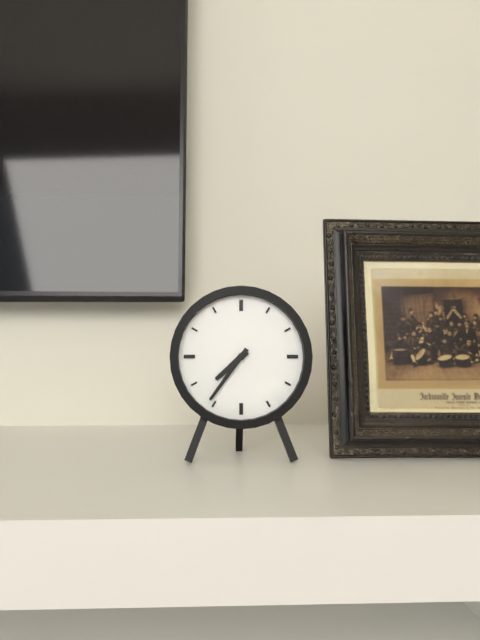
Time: h=7 m=36
